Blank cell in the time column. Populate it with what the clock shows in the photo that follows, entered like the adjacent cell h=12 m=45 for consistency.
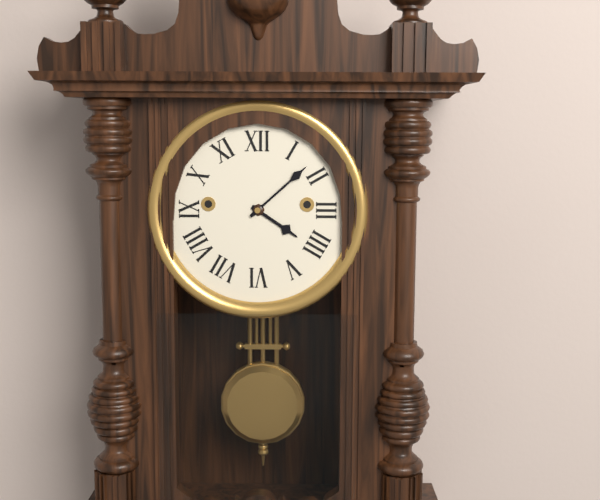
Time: h=4 m=8
